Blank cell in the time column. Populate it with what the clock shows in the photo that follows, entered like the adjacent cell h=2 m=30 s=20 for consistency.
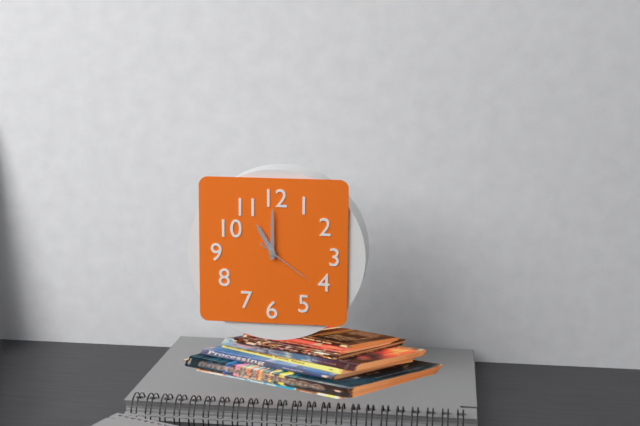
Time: h=11 m=0 s=21
